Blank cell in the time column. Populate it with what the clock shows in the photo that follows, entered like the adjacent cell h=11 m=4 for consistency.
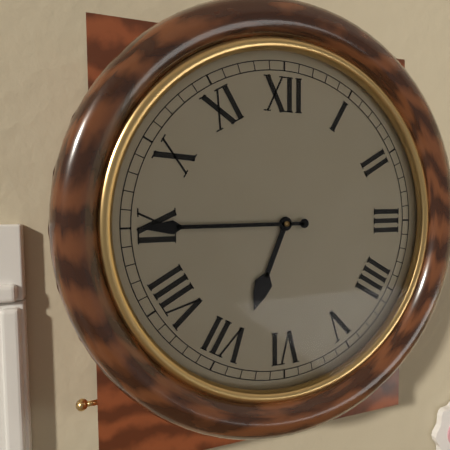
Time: h=6 m=45
